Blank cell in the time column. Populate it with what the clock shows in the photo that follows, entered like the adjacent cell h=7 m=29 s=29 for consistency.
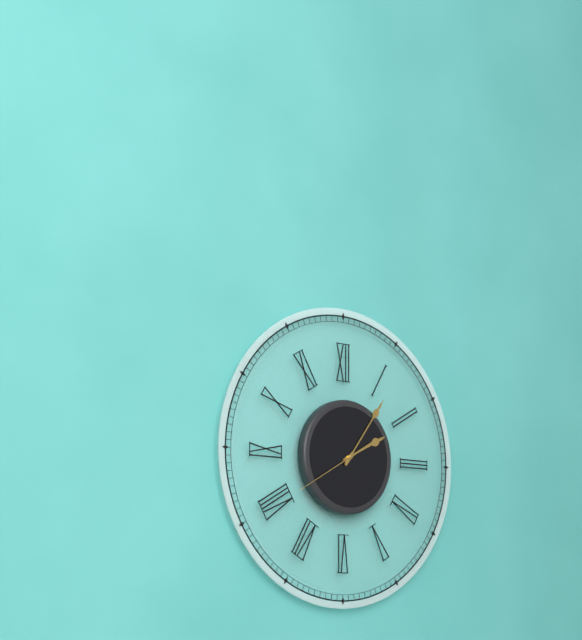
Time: h=2 m=6 s=40
